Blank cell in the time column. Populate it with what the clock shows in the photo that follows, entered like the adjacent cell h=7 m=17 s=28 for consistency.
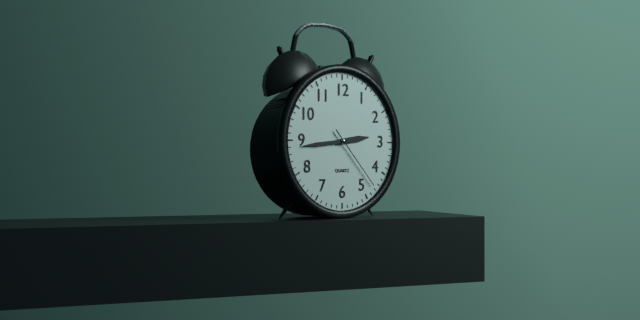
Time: h=2 m=44 s=23
